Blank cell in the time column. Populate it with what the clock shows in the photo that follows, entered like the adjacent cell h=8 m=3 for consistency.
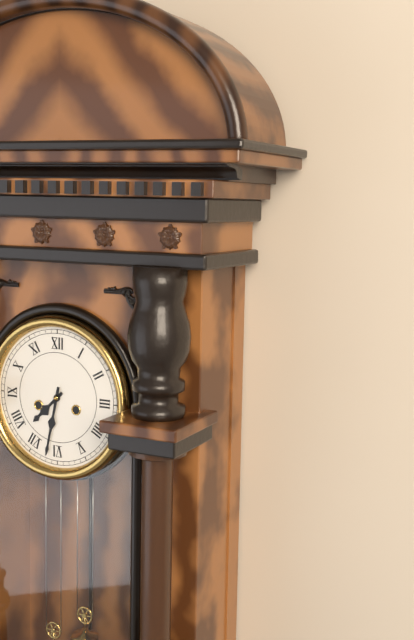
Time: h=7 m=32
